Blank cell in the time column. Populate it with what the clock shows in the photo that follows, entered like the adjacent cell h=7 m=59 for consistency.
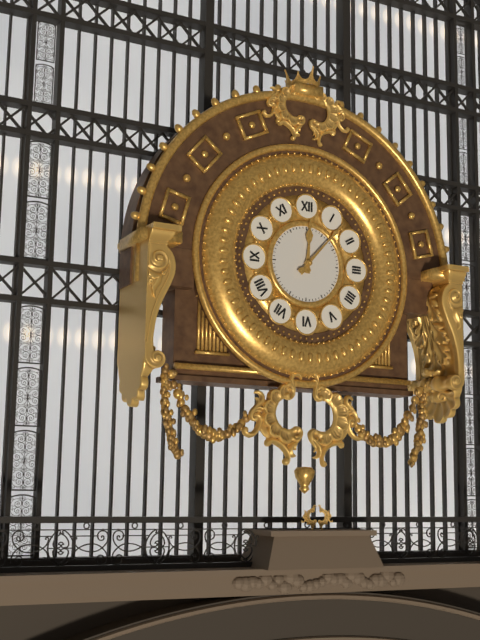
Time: h=12 m=7
